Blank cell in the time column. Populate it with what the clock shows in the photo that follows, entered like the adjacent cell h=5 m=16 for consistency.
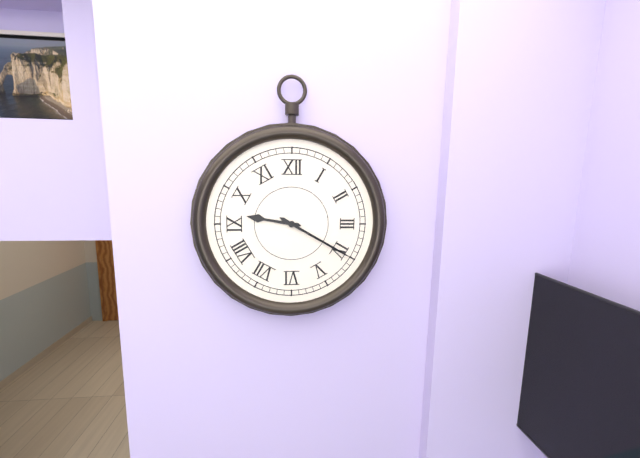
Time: h=9 m=20
